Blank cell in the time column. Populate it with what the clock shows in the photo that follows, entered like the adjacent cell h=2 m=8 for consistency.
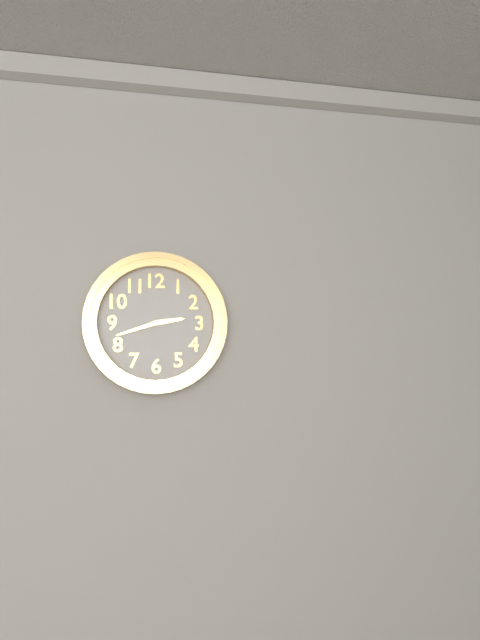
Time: h=2 m=42
